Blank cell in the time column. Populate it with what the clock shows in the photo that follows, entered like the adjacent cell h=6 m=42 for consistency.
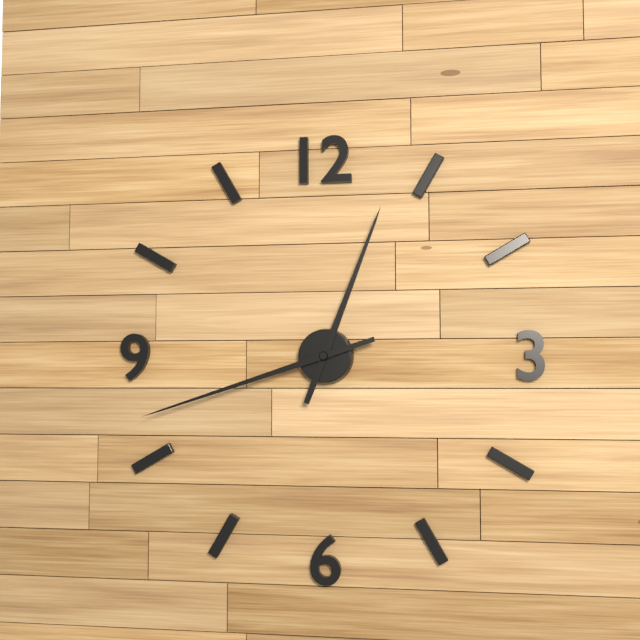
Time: h=12 m=42
